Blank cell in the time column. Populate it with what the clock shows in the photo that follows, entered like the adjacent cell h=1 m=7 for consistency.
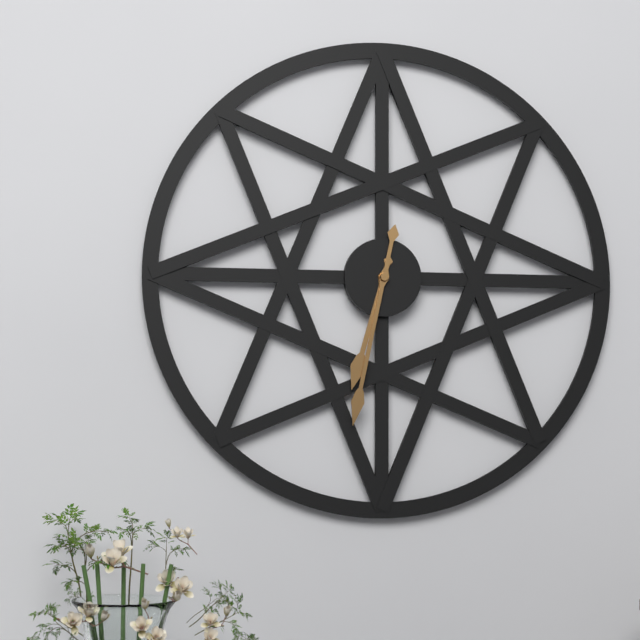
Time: h=6 m=32
